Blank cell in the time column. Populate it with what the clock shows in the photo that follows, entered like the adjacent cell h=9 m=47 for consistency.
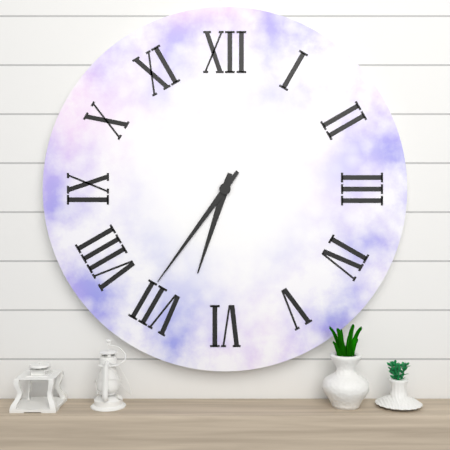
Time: h=6 m=36
